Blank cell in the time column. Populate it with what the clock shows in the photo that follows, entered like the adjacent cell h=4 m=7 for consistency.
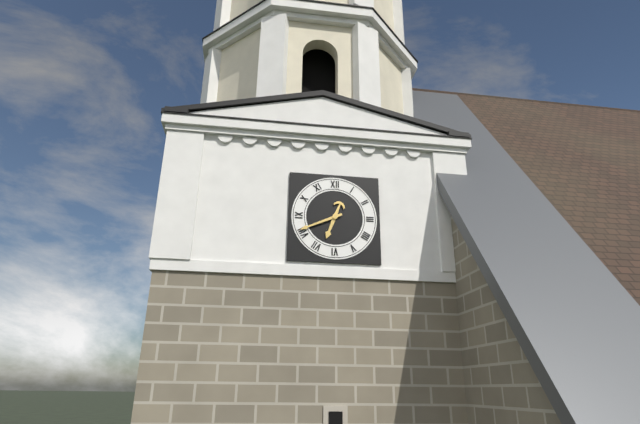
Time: h=6 m=41
